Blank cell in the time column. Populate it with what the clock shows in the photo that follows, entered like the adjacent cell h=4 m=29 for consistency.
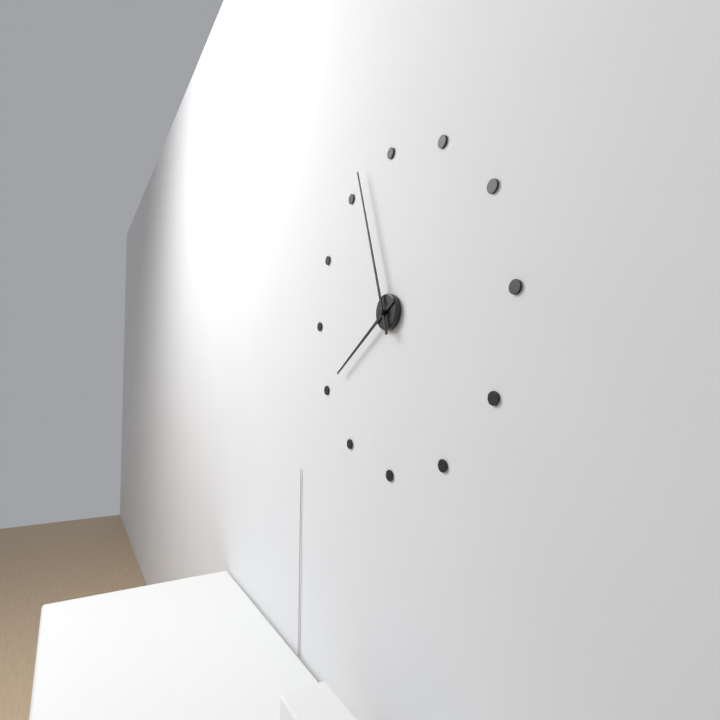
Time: h=7 m=57
